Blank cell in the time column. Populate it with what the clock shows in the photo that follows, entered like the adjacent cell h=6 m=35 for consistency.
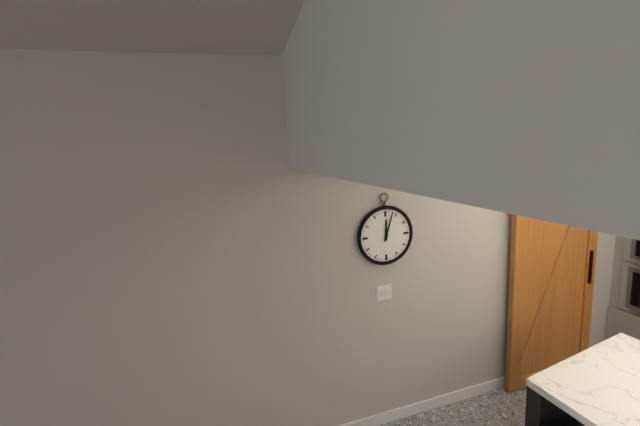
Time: h=12 m=3
